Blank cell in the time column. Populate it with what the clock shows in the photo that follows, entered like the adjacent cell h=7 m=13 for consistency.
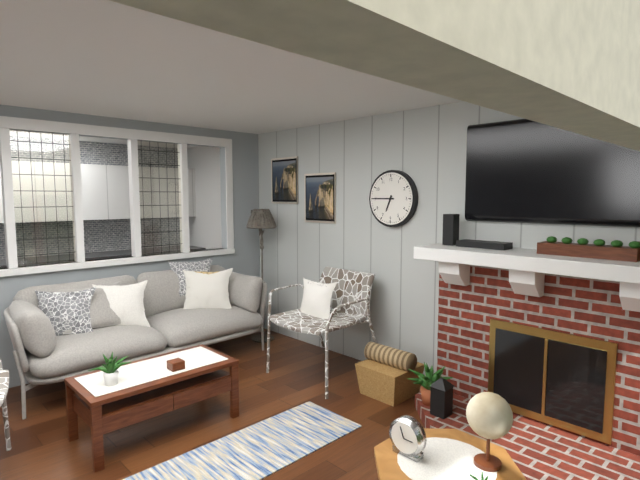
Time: h=6 m=45
